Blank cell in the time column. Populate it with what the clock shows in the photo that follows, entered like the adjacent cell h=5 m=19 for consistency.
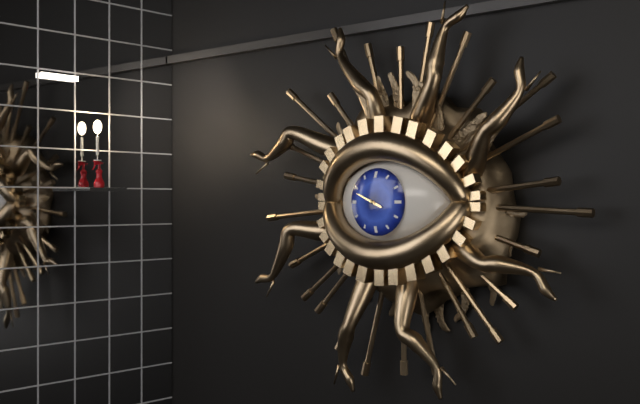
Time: h=3 m=49
